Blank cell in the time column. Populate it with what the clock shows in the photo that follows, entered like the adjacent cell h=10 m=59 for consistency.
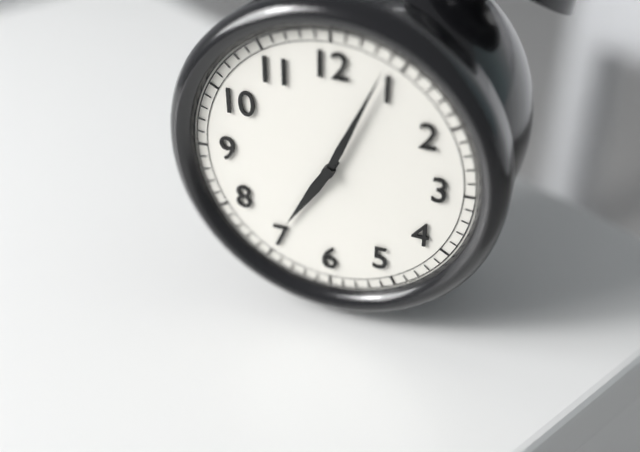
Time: h=7 m=4
